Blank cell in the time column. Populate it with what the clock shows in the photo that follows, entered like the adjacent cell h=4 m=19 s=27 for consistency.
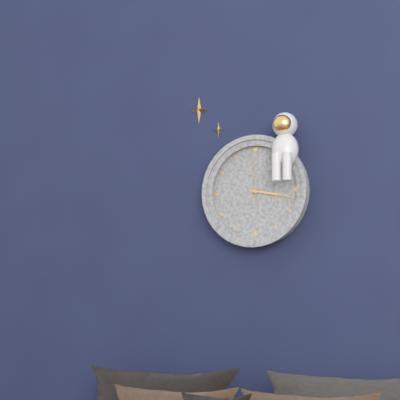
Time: h=3 m=17 s=59
